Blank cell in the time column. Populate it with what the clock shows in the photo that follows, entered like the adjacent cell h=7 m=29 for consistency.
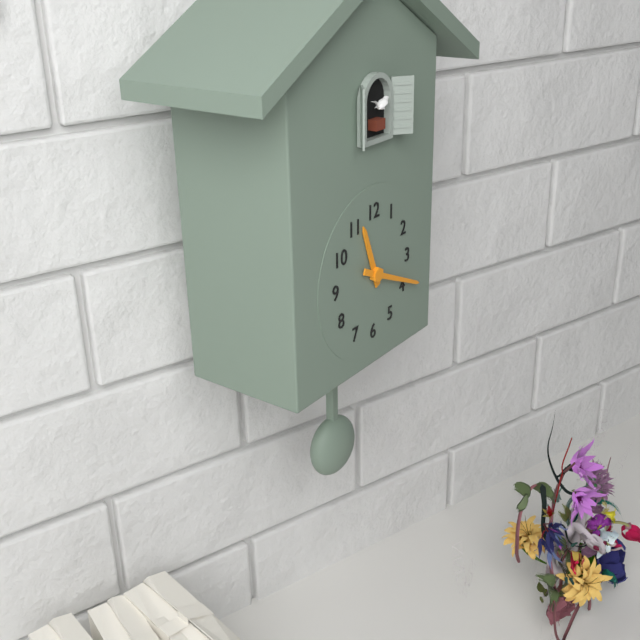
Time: h=11 m=19
